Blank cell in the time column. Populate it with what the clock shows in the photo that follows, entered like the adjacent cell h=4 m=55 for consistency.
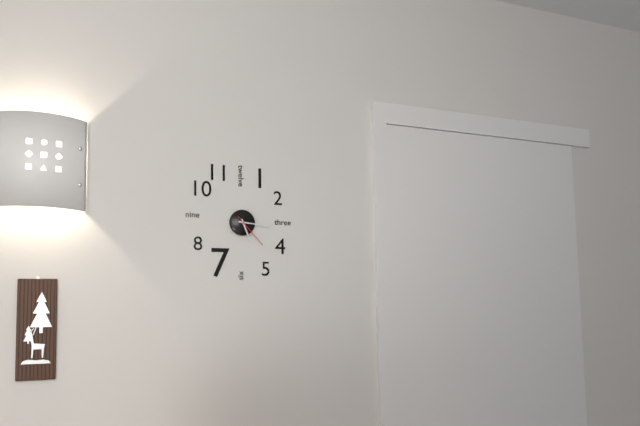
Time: h=5 m=16
